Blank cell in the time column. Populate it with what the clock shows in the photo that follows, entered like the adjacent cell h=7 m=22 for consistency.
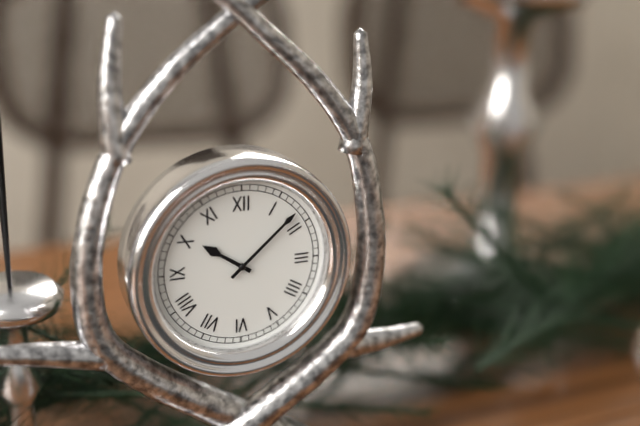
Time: h=10 m=8
